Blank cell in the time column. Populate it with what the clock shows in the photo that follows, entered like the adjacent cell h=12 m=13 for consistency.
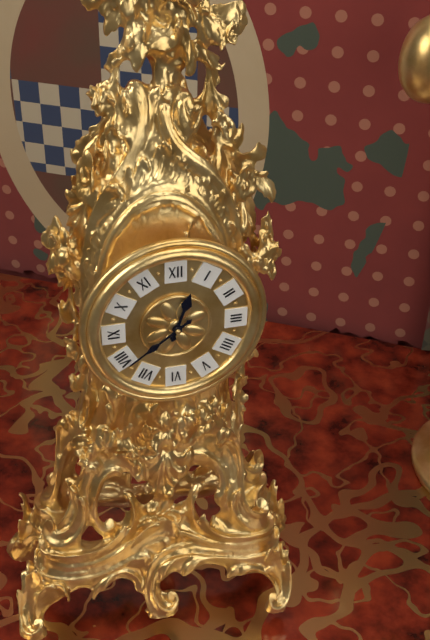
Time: h=12 m=39
